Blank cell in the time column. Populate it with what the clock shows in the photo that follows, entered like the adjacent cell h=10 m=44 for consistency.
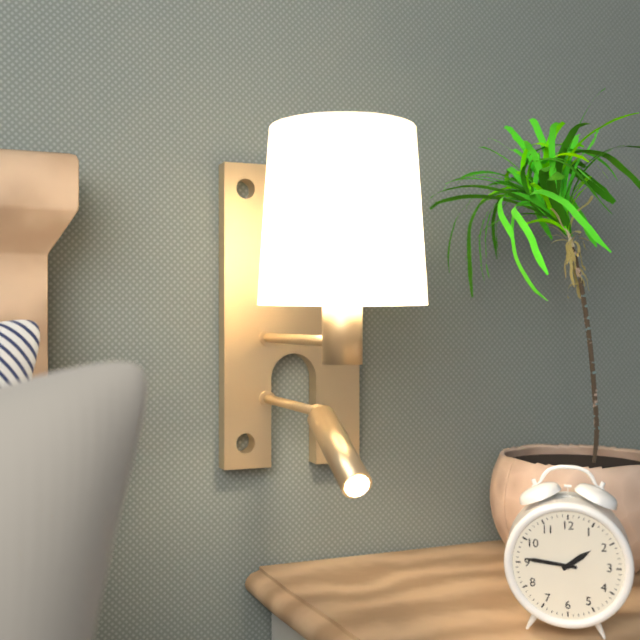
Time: h=1 m=46
